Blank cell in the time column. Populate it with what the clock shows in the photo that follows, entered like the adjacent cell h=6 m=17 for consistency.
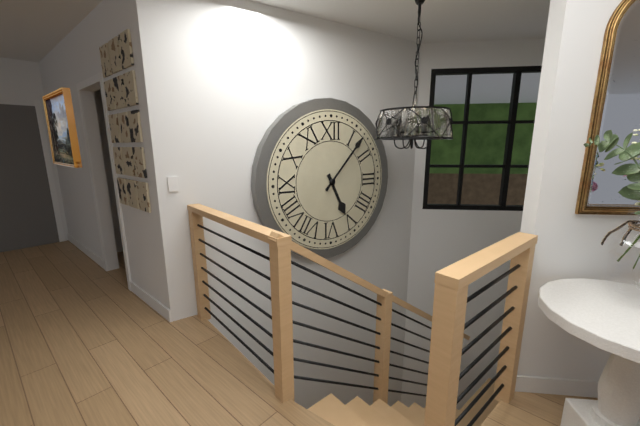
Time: h=5 m=7
